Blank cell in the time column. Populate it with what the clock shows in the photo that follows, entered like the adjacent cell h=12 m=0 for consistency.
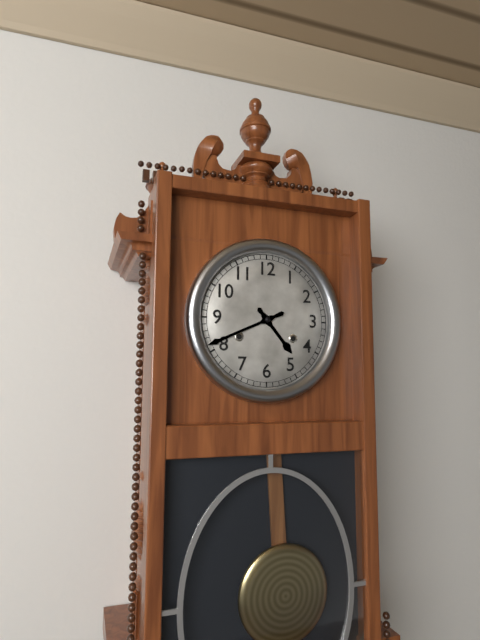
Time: h=4 m=41
